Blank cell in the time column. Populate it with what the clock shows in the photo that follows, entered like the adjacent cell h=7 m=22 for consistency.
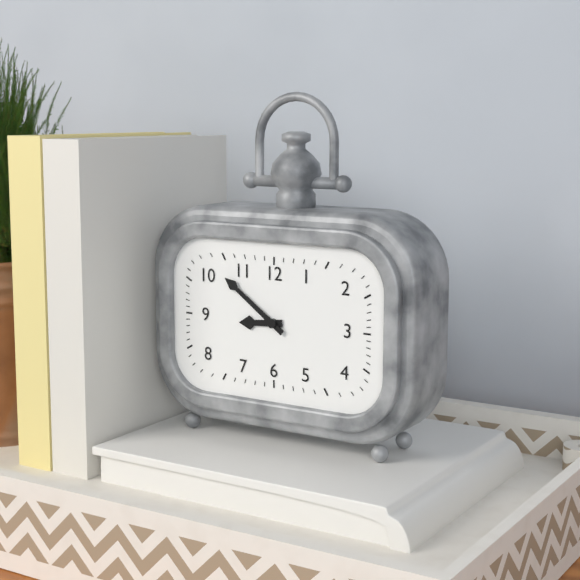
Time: h=8 m=51
